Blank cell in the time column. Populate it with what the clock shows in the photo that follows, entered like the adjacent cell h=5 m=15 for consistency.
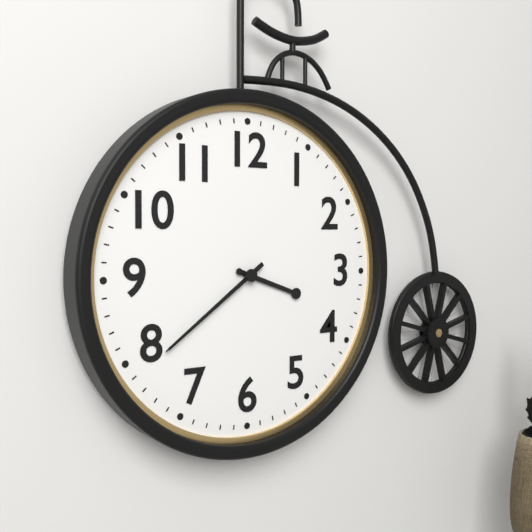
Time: h=3 m=39
